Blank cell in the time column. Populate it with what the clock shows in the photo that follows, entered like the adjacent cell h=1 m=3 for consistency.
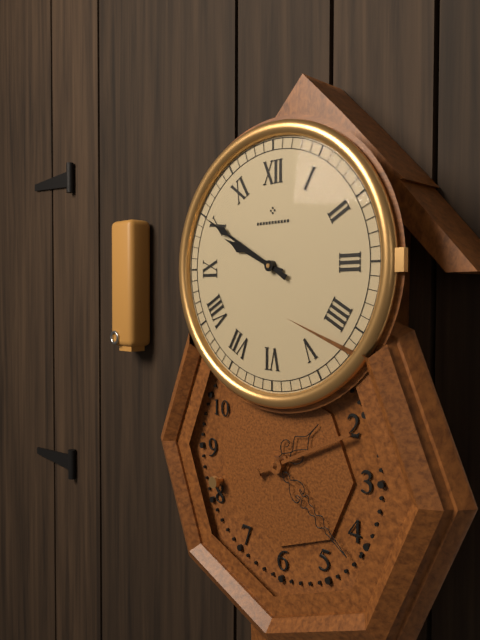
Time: h=9 m=50
